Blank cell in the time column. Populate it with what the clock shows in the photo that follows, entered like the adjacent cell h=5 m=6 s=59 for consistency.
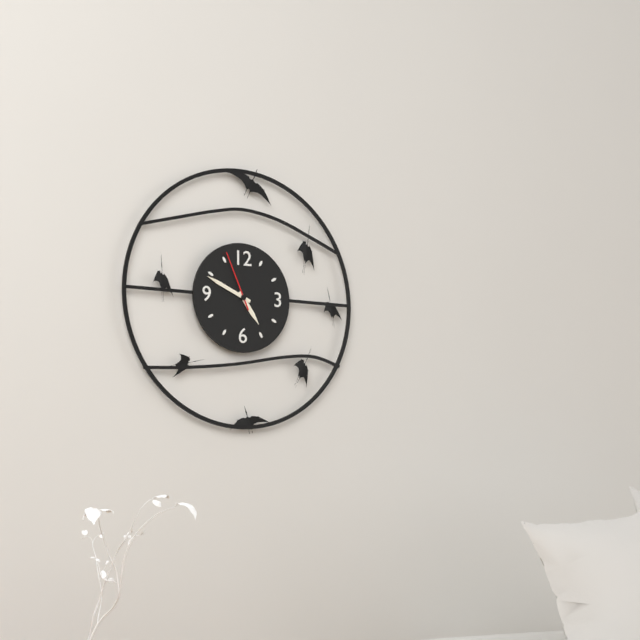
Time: h=4 m=49 s=56
